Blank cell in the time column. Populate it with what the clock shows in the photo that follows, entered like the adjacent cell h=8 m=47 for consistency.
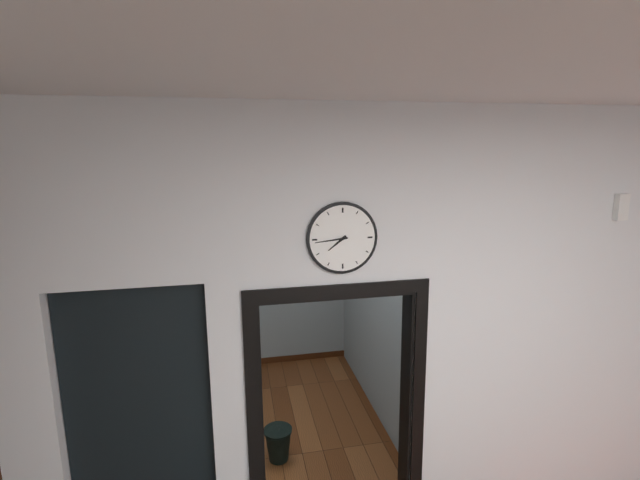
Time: h=7 m=44
